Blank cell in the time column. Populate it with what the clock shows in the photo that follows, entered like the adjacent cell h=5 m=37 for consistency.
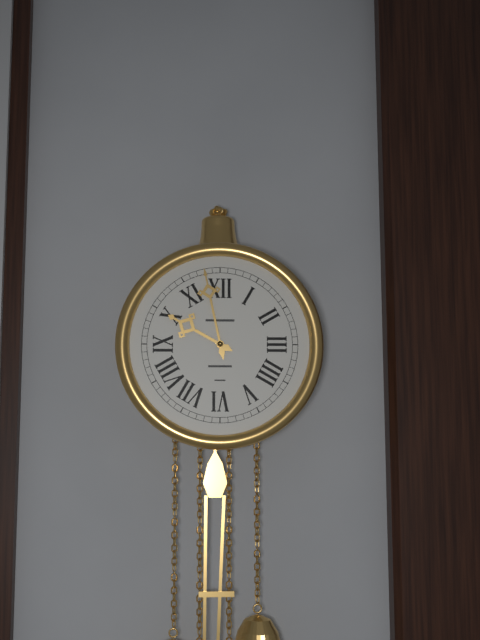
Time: h=9 m=58
